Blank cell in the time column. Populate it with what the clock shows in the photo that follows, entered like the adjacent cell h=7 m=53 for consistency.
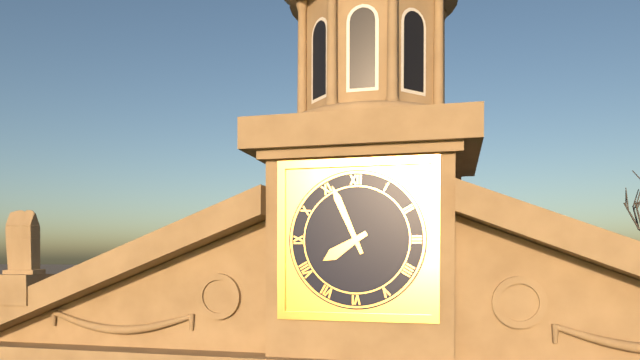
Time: h=7 m=56
